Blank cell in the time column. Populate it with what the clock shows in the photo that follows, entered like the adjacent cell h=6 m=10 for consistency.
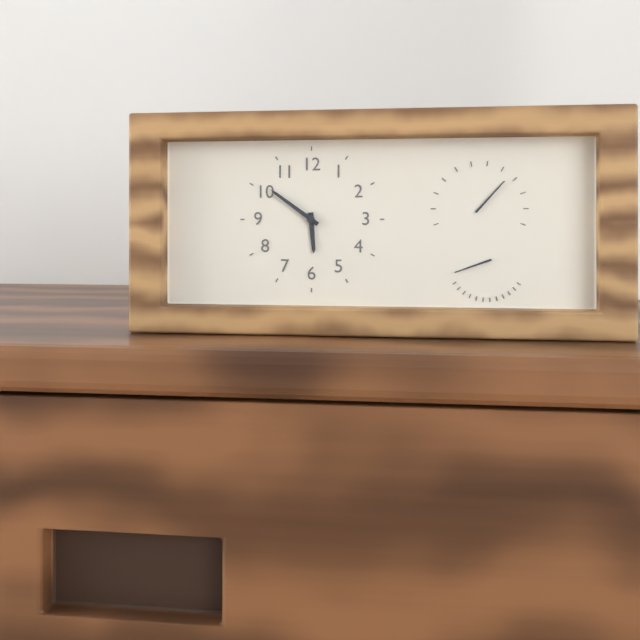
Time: h=5 m=51
